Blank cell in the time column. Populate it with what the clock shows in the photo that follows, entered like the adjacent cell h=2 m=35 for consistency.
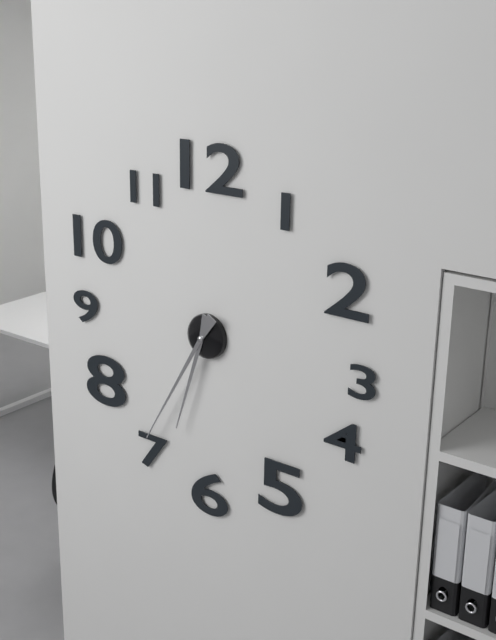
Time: h=6 m=35
